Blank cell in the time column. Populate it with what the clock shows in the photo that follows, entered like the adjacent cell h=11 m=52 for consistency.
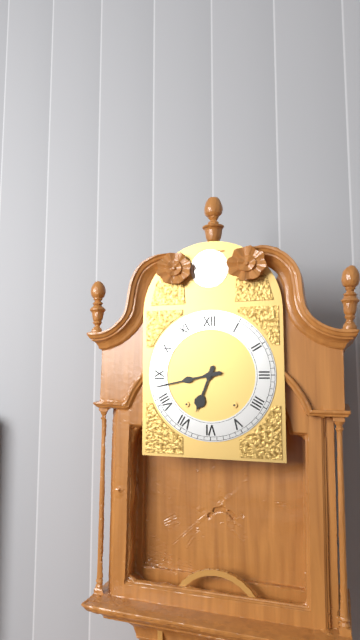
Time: h=6 m=43
